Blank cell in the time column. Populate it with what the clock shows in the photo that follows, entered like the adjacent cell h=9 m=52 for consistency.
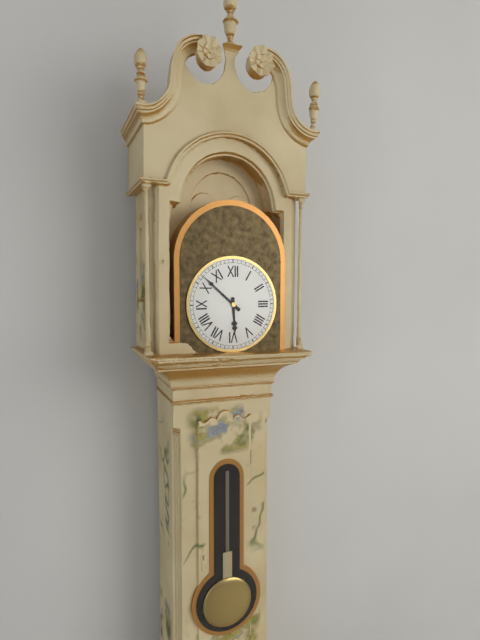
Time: h=5 m=52
